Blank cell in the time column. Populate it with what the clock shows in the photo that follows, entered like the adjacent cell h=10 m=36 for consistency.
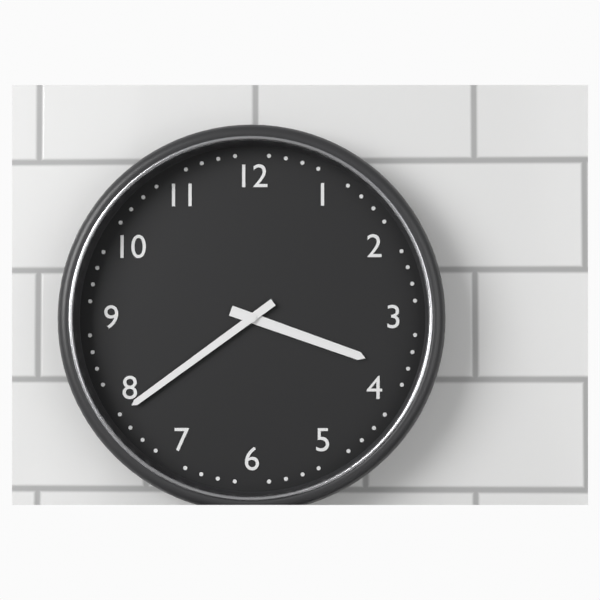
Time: h=3 m=39
